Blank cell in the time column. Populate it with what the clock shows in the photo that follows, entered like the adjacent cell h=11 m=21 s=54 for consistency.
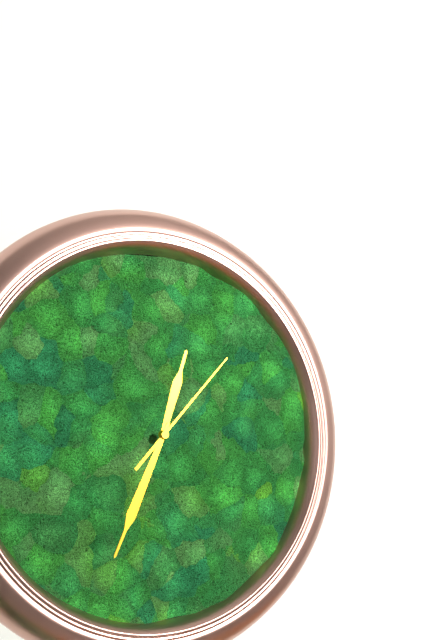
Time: h=12 m=34 s=7
